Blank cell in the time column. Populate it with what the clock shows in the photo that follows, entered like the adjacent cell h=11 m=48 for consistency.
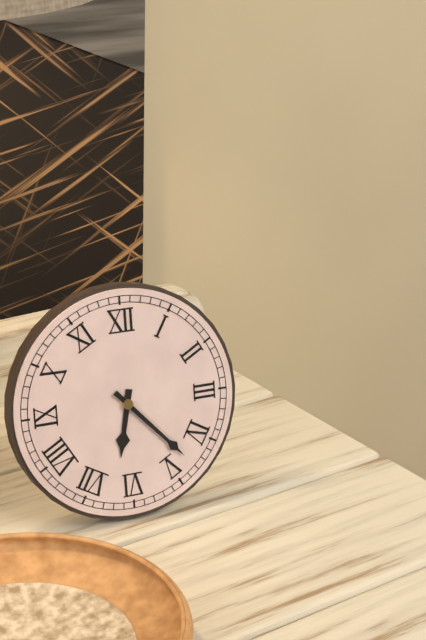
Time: h=6 m=23
